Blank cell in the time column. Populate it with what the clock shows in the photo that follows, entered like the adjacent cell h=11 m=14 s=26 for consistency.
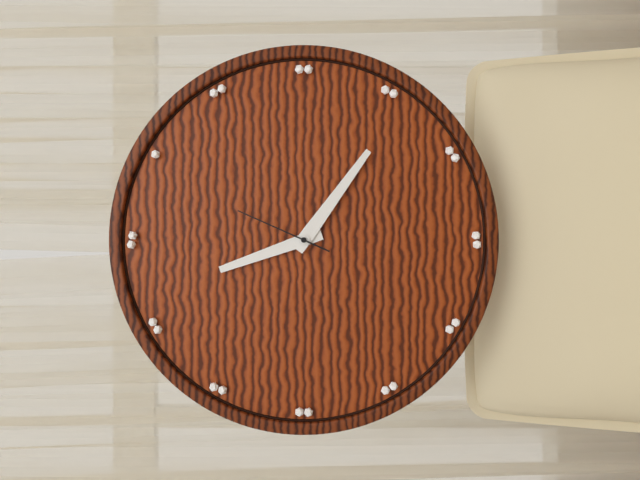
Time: h=11 m=21 s=4
